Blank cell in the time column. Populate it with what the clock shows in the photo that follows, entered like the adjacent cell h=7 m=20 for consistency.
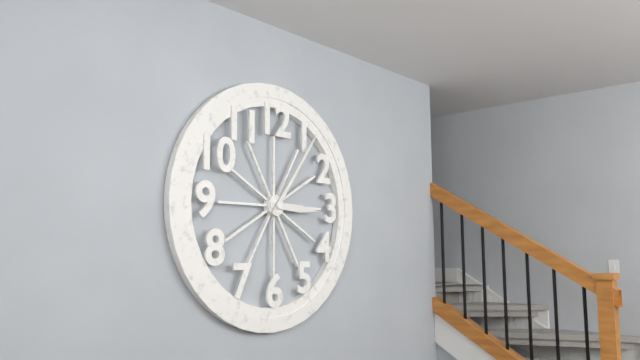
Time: h=3 m=6
